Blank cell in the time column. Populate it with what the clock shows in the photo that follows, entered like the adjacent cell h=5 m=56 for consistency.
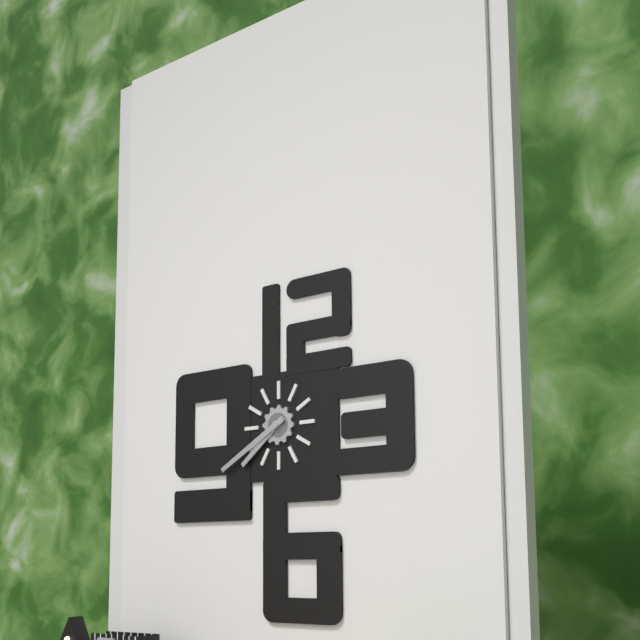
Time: h=7 m=40
